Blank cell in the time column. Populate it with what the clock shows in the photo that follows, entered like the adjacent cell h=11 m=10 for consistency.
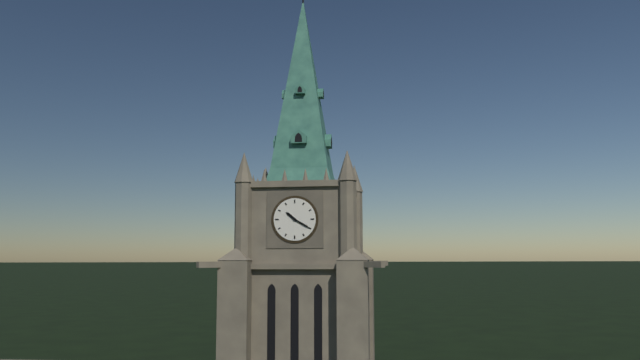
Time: h=10 m=20
